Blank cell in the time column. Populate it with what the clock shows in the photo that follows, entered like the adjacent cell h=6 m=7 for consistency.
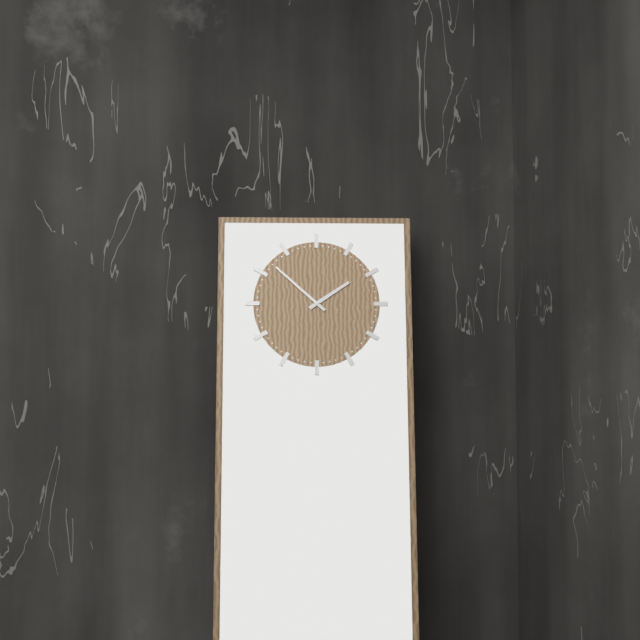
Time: h=1 m=52
